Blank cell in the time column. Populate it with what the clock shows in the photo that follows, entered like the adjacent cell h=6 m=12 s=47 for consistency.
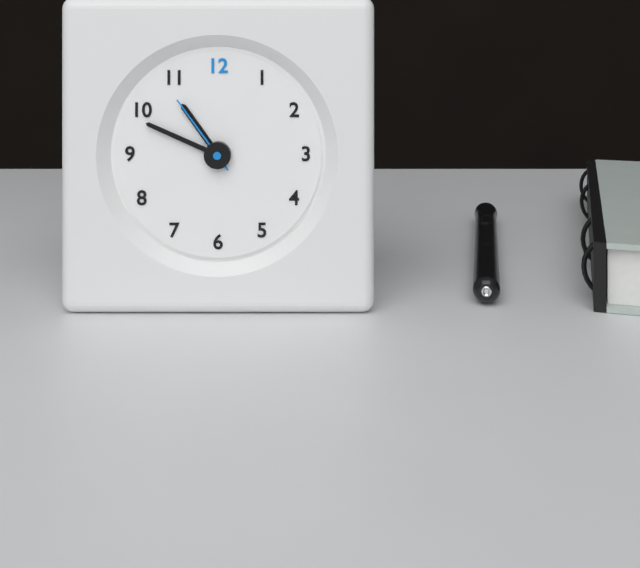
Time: h=10 m=49 s=54
